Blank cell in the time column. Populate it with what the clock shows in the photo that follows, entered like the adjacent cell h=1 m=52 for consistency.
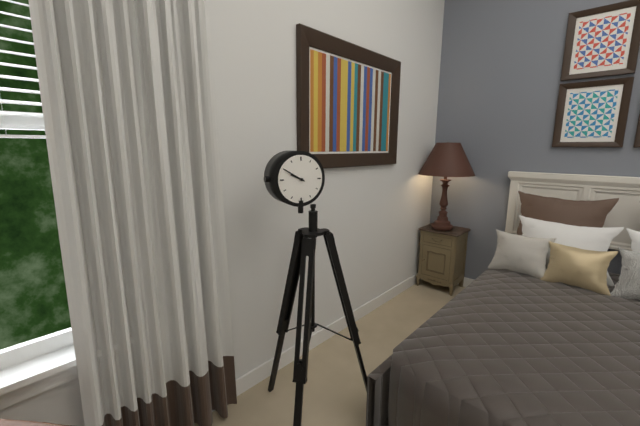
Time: h=9 m=50
